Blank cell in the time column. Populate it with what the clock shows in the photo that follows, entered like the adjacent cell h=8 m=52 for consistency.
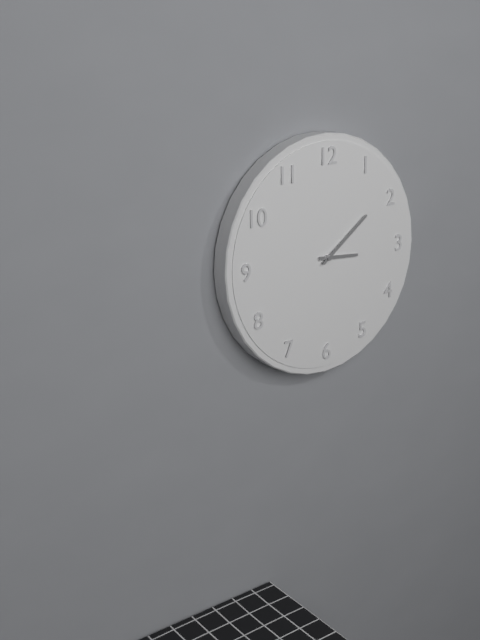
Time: h=3 m=9
